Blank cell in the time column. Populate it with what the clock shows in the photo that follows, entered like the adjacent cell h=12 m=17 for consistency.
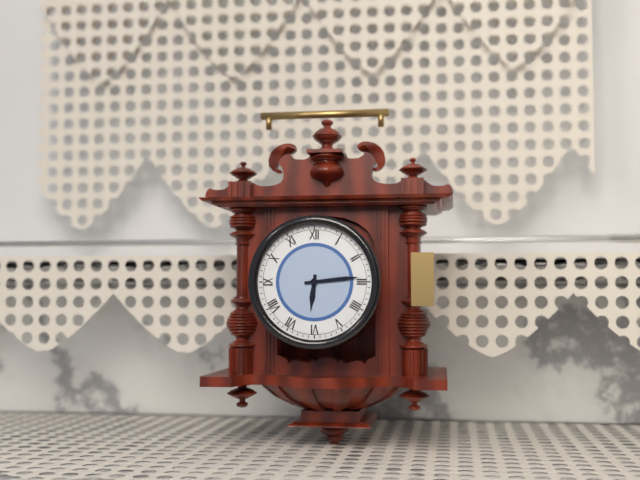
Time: h=6 m=14
